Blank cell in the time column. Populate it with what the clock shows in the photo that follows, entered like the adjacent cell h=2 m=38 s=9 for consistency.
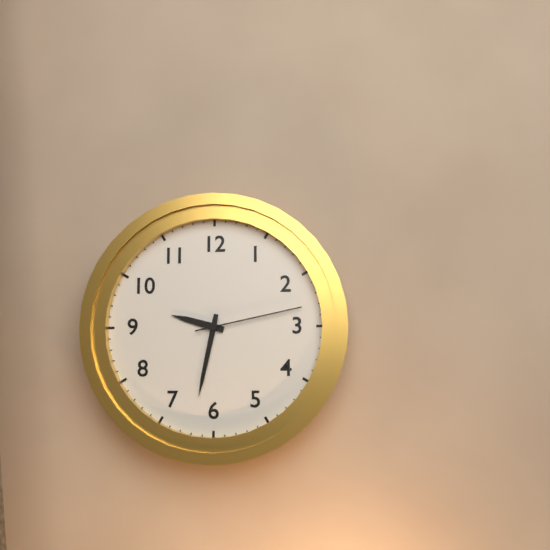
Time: h=9 m=32 s=13
